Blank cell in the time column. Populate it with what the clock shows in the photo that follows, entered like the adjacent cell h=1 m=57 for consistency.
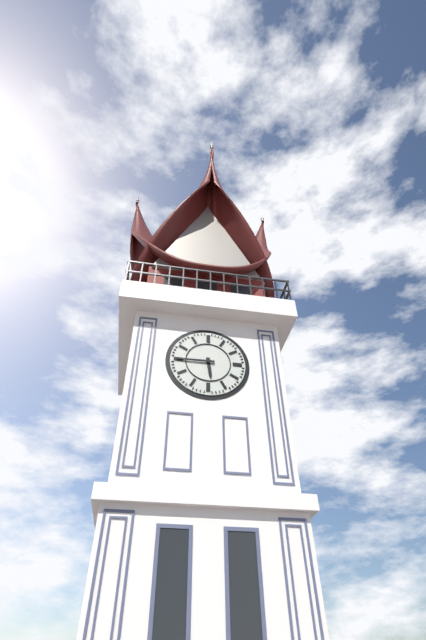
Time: h=5 m=45
